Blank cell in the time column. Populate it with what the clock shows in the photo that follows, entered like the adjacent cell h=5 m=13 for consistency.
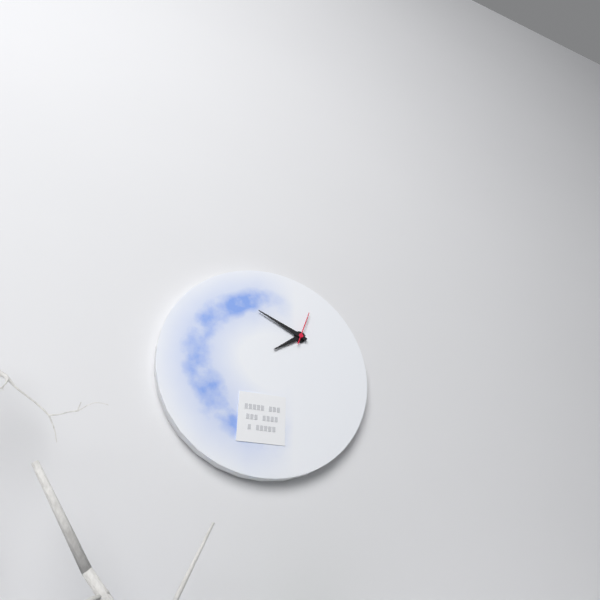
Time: h=7 m=49
